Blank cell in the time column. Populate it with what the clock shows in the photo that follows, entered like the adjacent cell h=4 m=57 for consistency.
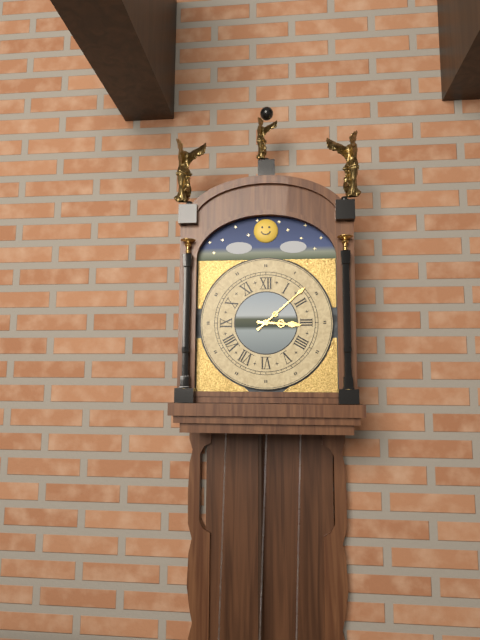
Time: h=3 m=8
